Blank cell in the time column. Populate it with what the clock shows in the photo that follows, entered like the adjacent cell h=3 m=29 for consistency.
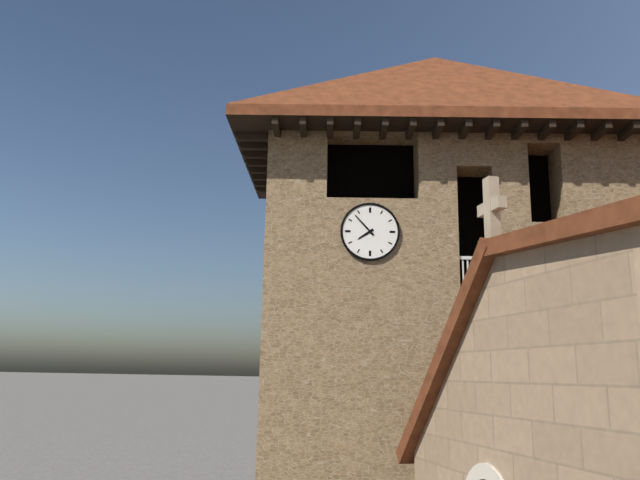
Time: h=7 m=53
